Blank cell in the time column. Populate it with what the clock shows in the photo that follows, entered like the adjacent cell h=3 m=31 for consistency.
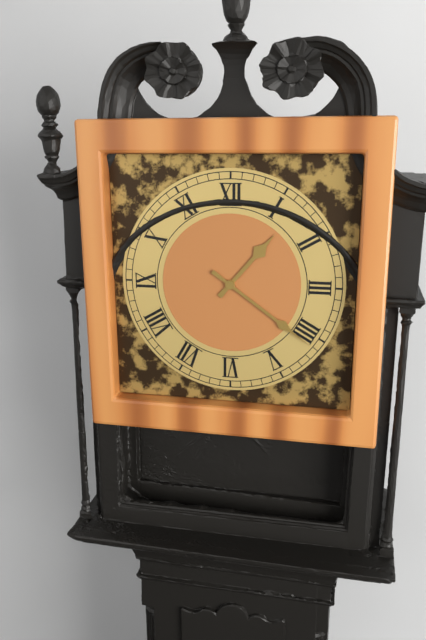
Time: h=1 m=21
